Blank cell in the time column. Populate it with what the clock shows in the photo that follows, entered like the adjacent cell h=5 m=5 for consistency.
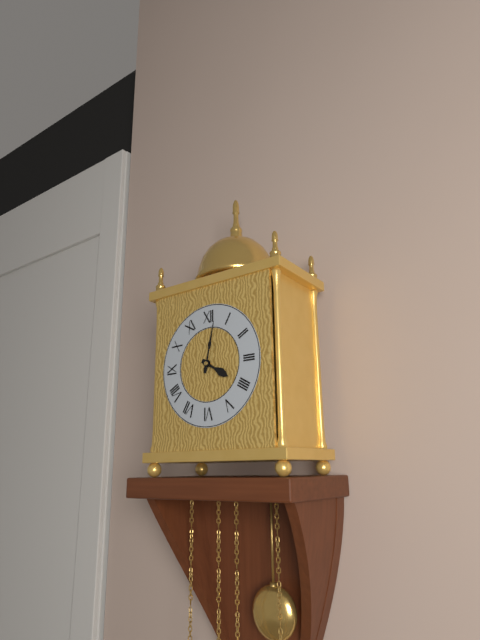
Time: h=4 m=2
